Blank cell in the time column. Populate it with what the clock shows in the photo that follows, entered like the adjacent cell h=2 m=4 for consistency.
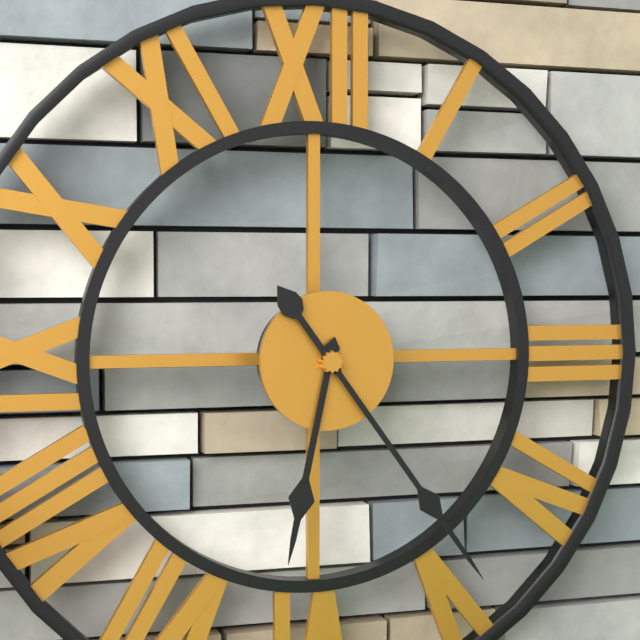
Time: h=6 m=24
